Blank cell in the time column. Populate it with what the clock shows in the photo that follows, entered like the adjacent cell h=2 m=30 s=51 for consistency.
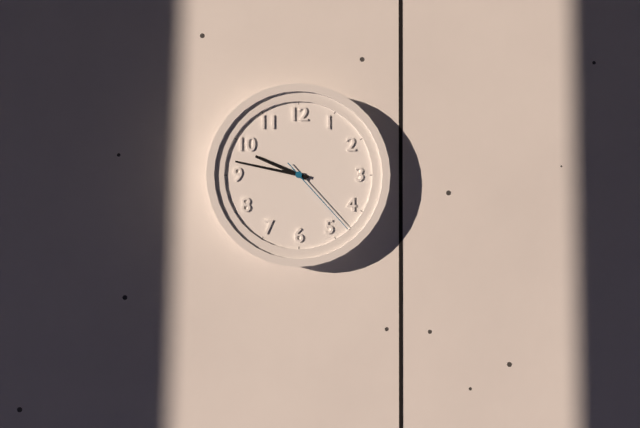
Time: h=9 m=47 s=23
